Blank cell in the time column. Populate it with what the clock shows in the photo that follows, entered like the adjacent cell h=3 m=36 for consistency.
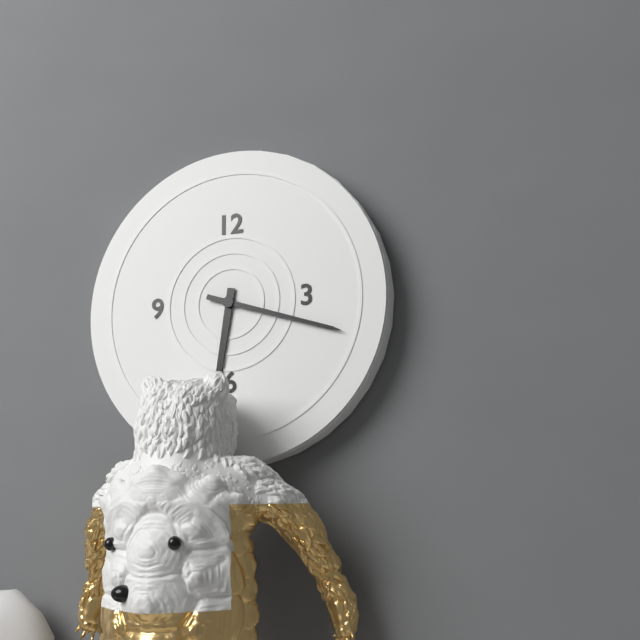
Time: h=6 m=18
